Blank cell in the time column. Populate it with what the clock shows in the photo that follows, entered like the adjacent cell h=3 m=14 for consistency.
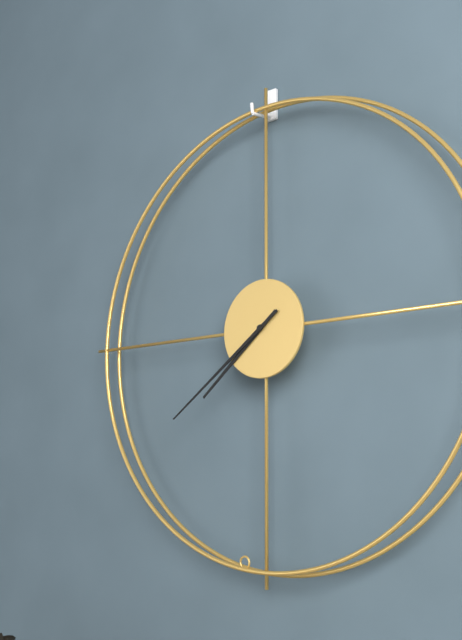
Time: h=7 m=39
